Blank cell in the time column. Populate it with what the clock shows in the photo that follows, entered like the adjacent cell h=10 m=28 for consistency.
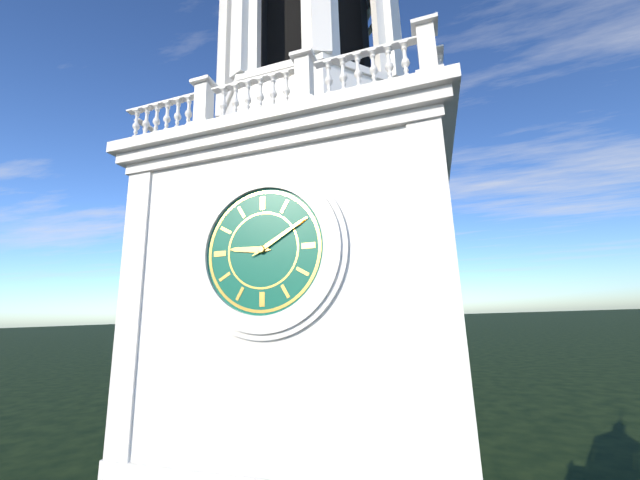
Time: h=9 m=10
